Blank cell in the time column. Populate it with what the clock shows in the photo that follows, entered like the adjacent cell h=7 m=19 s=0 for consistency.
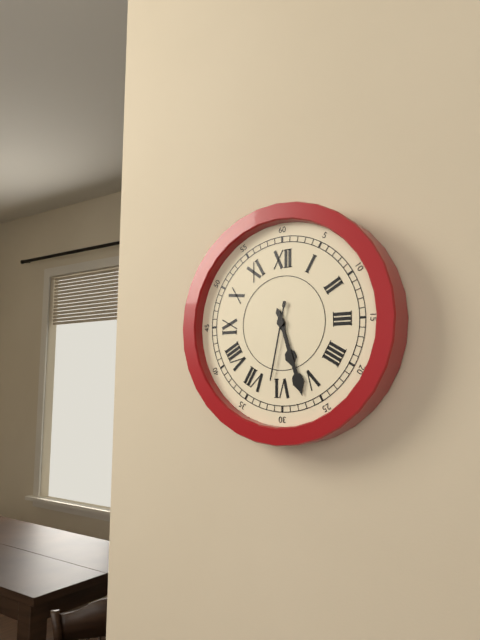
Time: h=5 m=27 s=32
